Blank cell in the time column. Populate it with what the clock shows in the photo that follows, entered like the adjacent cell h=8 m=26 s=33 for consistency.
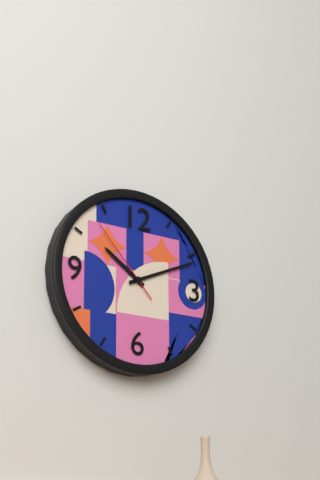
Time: h=10 m=11 s=53
